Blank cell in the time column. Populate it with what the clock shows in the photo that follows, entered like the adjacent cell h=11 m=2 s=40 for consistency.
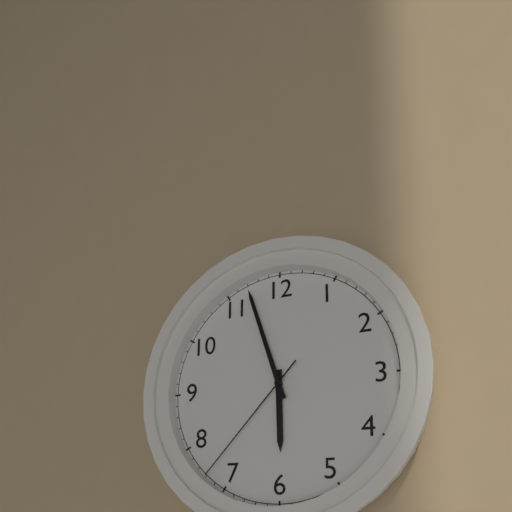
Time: h=5 m=57 s=37
